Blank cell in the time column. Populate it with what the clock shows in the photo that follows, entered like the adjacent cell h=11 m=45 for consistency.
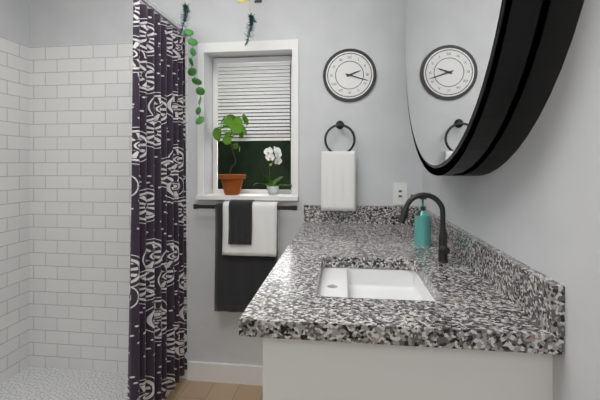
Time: h=2 m=18
